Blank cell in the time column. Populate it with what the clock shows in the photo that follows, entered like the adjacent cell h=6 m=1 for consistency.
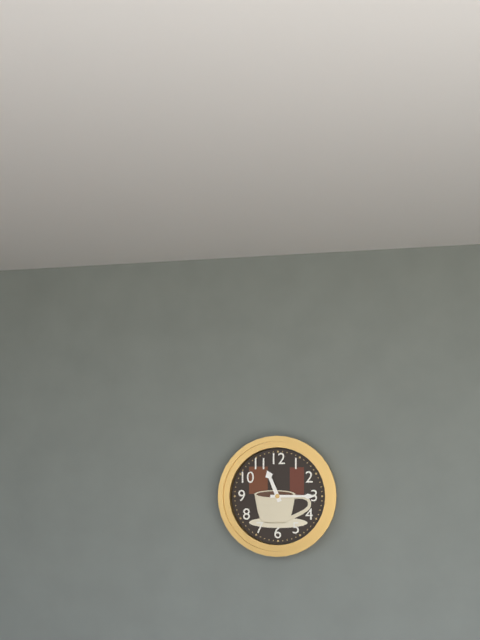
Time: h=11 m=15
